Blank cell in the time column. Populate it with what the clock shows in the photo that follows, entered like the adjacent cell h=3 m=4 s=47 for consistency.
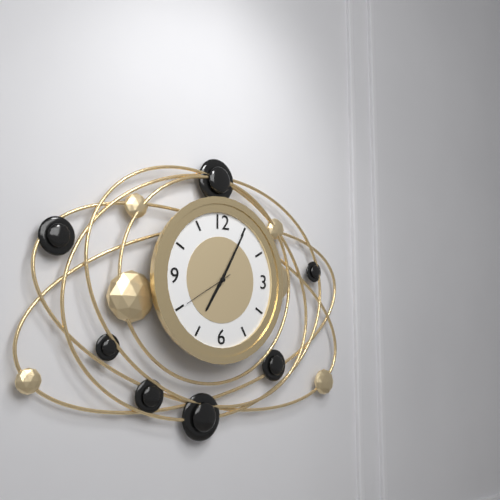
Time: h=7 m=5 s=40
